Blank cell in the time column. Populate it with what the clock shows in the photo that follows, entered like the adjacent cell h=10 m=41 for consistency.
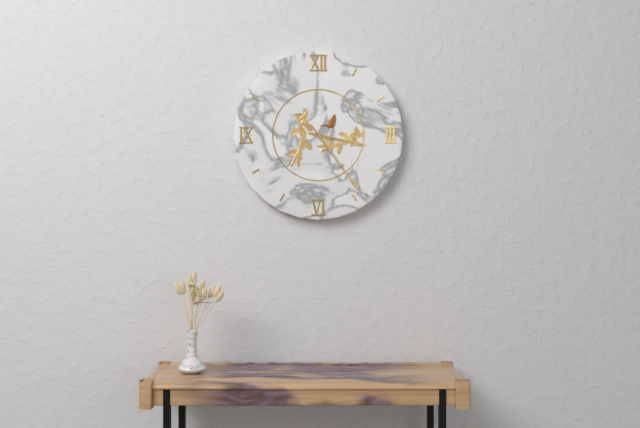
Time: h=3 m=24
